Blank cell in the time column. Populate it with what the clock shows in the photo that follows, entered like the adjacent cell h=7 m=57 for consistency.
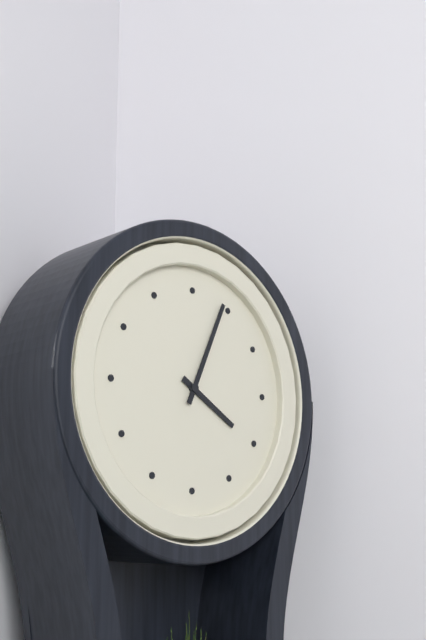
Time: h=4 m=4
